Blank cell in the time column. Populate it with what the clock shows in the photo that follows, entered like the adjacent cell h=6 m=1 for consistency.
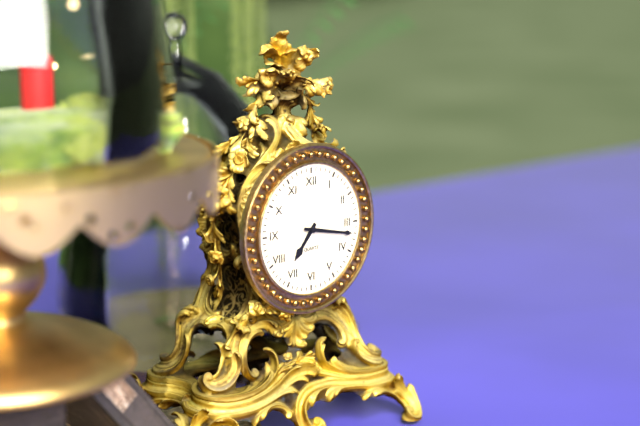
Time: h=7 m=17
